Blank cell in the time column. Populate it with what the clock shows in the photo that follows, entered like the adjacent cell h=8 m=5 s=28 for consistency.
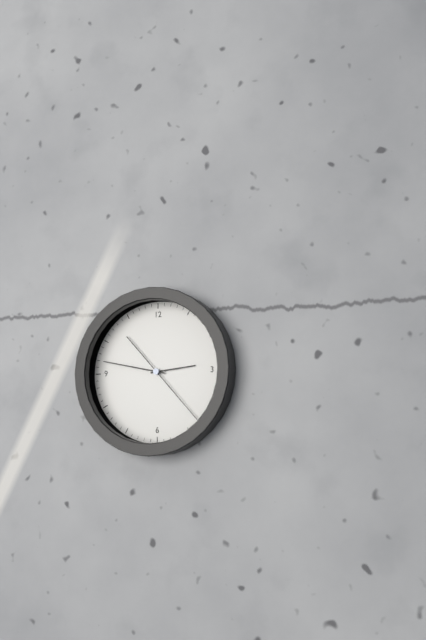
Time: h=2 m=47 s=23
